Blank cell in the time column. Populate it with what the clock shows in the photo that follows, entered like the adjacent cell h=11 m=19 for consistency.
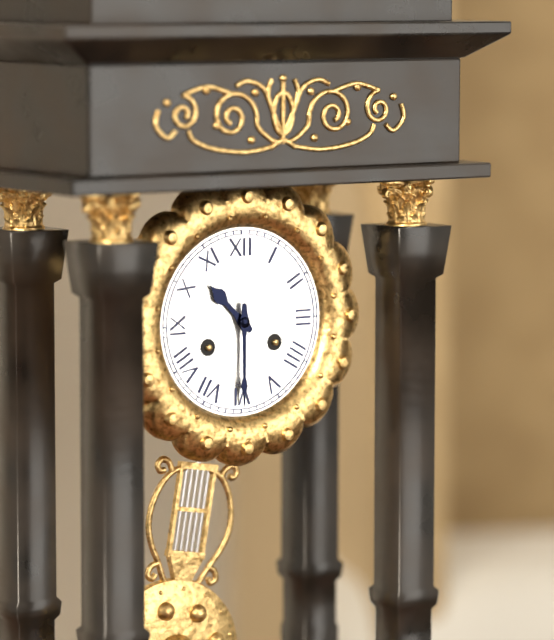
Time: h=10 m=30
